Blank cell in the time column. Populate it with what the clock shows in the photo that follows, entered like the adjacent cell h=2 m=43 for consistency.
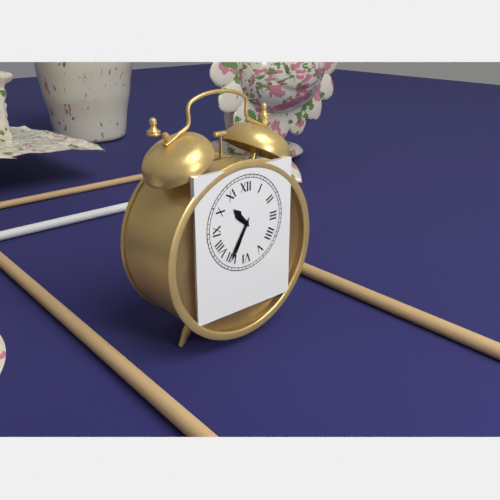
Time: h=10 m=35
